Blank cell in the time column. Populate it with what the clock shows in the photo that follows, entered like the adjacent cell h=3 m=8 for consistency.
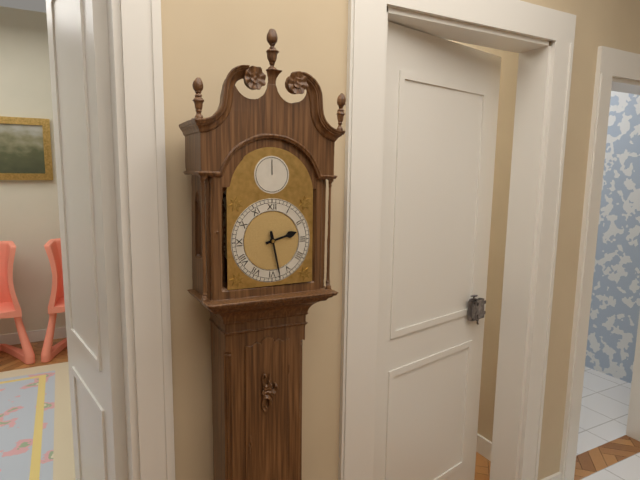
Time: h=2 m=28
